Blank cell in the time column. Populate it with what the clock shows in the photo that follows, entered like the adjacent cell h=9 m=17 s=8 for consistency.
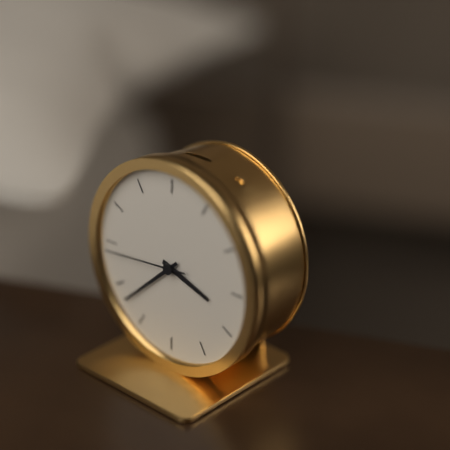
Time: h=3 m=38 s=44
